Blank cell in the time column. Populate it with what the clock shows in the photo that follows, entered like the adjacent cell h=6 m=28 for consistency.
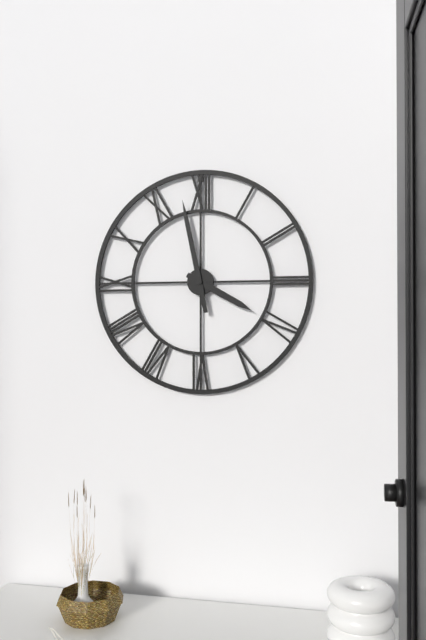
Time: h=3 m=58
